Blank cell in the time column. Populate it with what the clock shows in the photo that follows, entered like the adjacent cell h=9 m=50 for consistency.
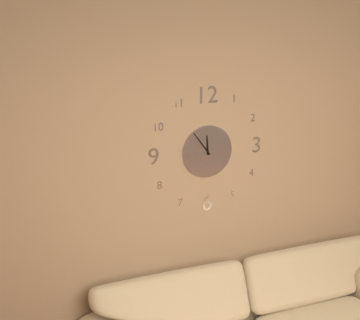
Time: h=11 m=54
